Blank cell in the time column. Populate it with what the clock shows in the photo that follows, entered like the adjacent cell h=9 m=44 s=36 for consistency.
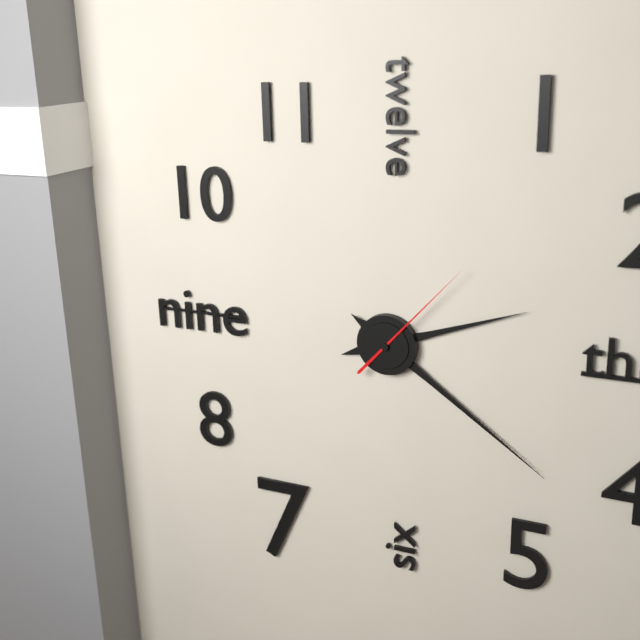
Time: h=2 m=21 s=7
